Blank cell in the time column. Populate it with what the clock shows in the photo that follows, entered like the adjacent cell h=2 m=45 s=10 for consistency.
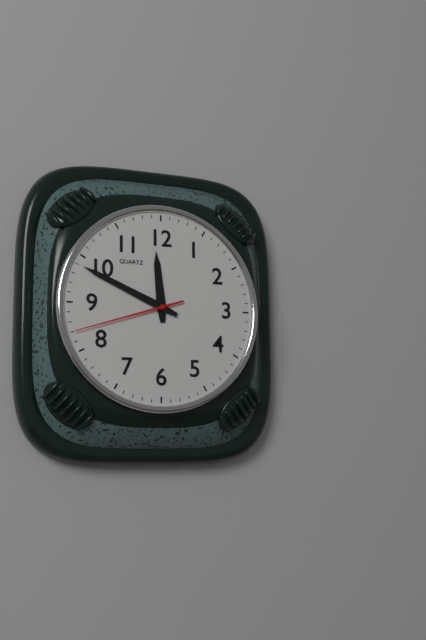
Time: h=11 m=49 s=42
